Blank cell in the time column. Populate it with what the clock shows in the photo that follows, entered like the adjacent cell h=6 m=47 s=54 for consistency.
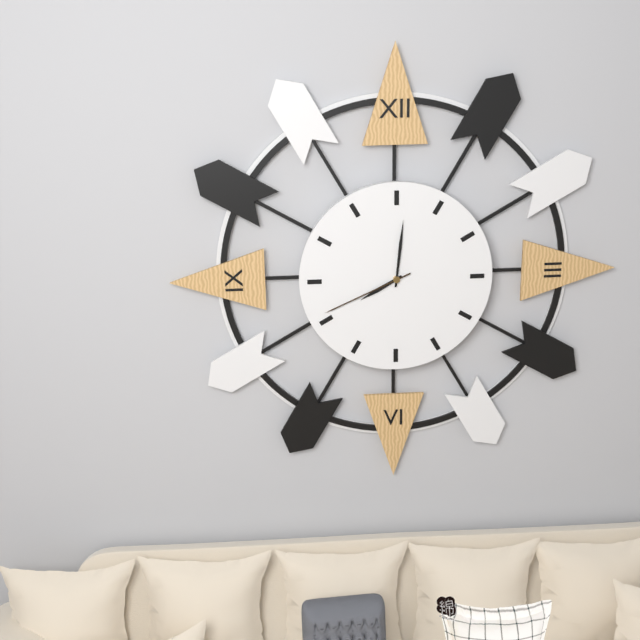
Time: h=8 m=1 s=41
